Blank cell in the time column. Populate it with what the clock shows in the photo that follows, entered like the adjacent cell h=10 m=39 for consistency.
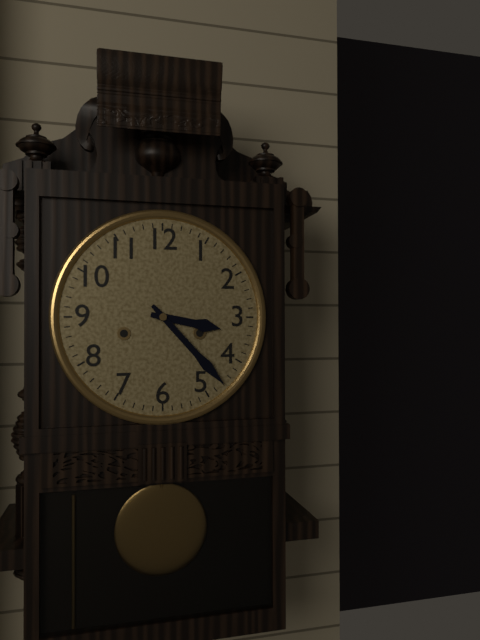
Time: h=3 m=23
